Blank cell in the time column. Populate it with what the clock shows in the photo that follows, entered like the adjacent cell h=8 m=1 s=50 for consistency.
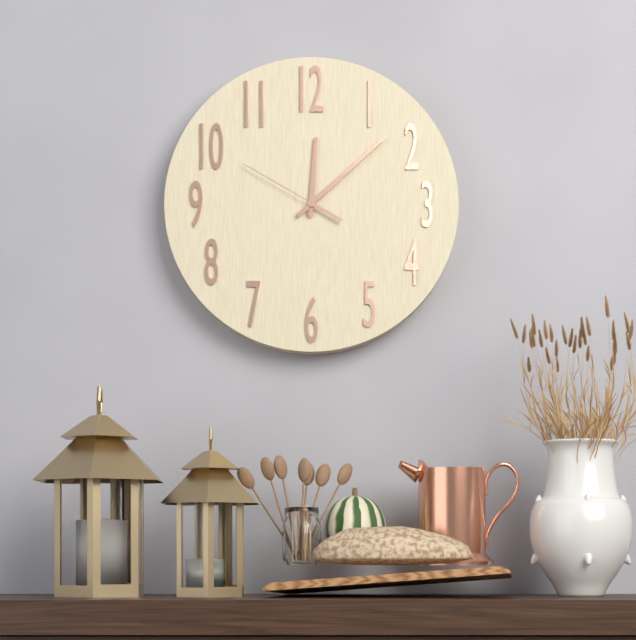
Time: h=12 m=8 s=50
